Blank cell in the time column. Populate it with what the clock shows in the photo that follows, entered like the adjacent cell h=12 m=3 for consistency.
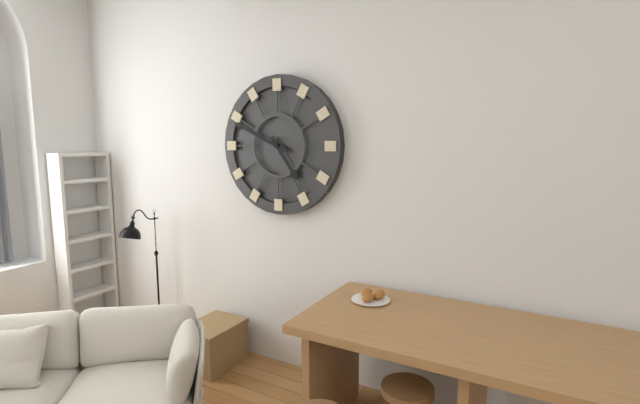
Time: h=4 m=49
